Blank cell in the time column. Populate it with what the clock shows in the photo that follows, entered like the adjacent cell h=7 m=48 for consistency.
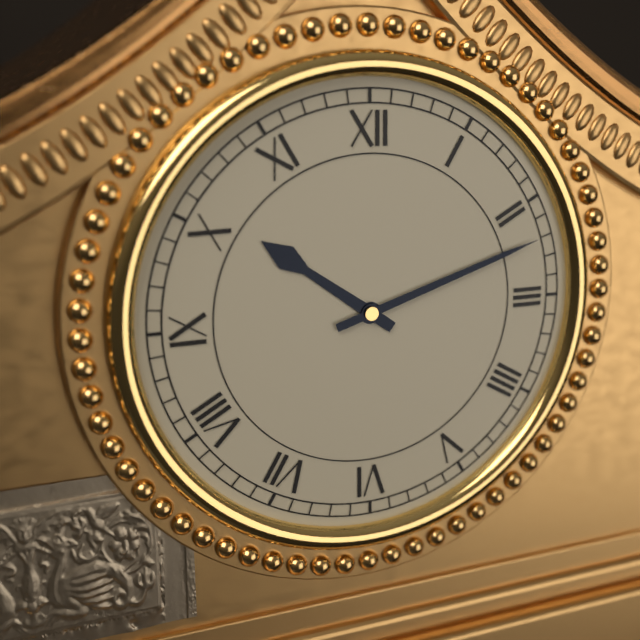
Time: h=10 m=12
